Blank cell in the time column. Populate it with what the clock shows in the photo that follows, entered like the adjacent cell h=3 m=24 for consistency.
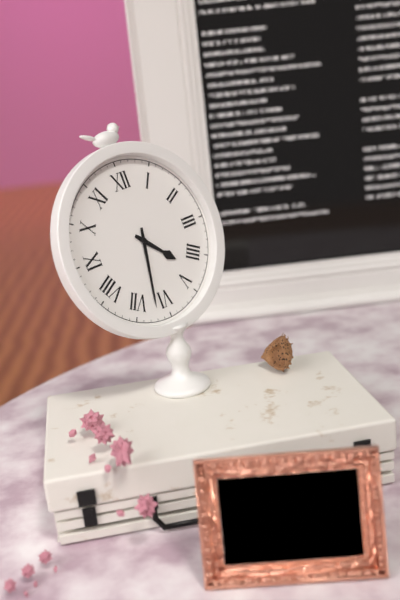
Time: h=4 m=32
